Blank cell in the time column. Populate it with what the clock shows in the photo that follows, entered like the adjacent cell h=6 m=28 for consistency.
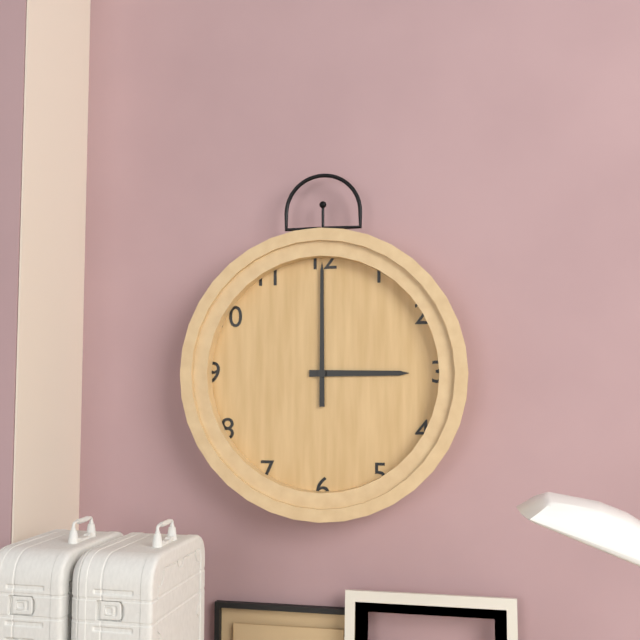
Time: h=3 m=0
